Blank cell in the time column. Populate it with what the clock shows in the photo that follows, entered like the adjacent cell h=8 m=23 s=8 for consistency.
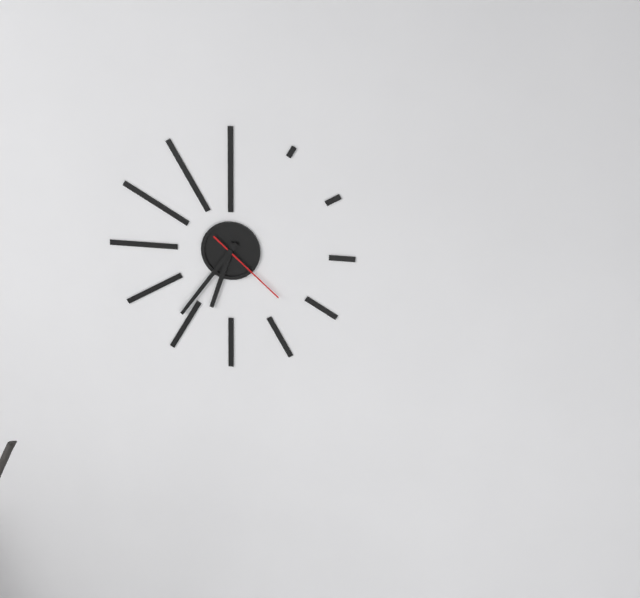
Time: h=6 m=36 s=22
